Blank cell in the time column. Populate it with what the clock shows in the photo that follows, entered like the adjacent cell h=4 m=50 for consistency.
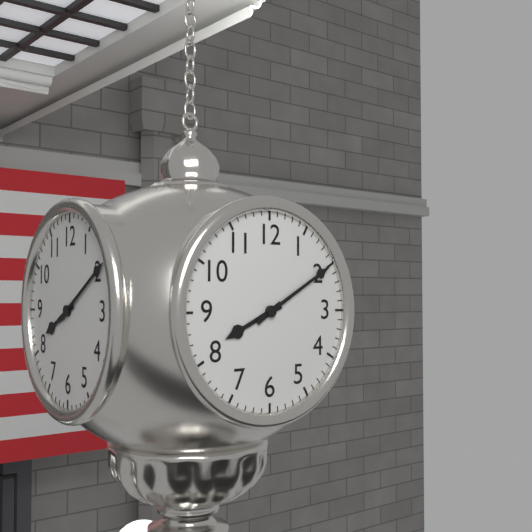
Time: h=8 m=10
